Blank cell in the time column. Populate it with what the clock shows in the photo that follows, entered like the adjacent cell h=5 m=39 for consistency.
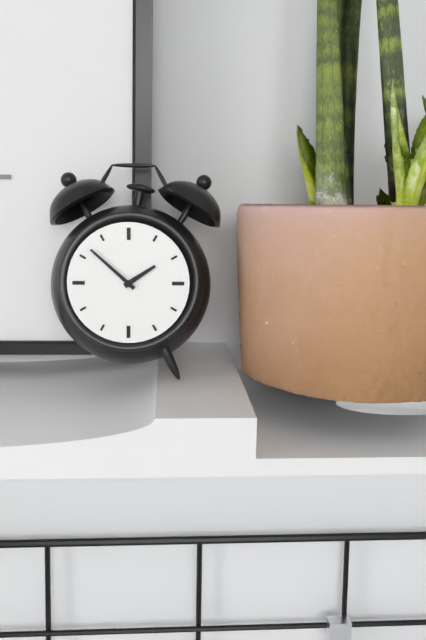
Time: h=1 m=52
